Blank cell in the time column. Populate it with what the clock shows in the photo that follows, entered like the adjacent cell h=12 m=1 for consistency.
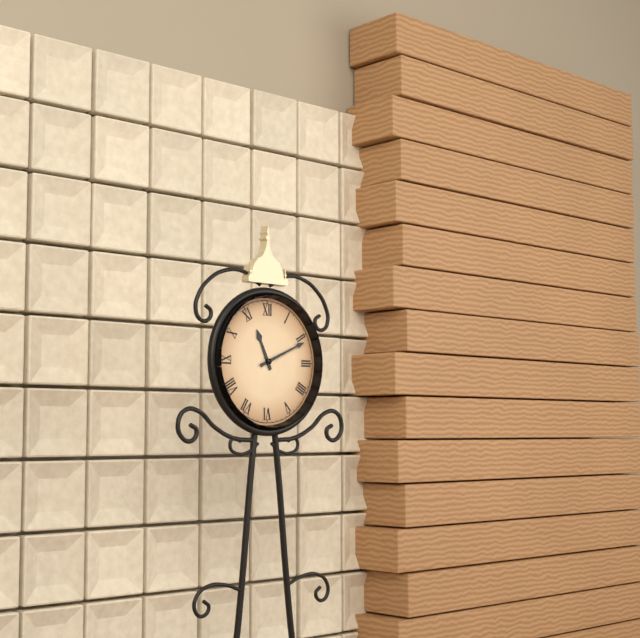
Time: h=11 m=11
